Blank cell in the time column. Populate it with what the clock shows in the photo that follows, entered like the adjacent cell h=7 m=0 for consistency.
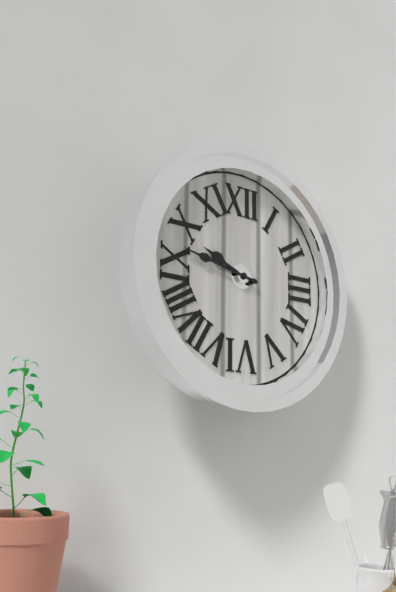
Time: h=9 m=47
